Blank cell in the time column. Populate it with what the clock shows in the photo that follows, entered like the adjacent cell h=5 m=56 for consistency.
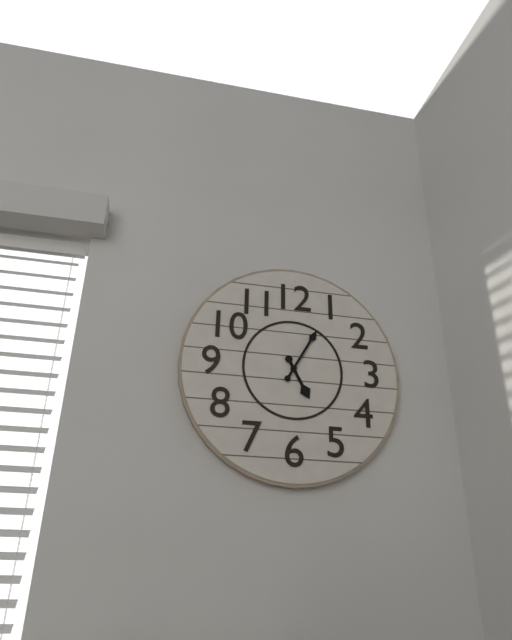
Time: h=5 m=5
